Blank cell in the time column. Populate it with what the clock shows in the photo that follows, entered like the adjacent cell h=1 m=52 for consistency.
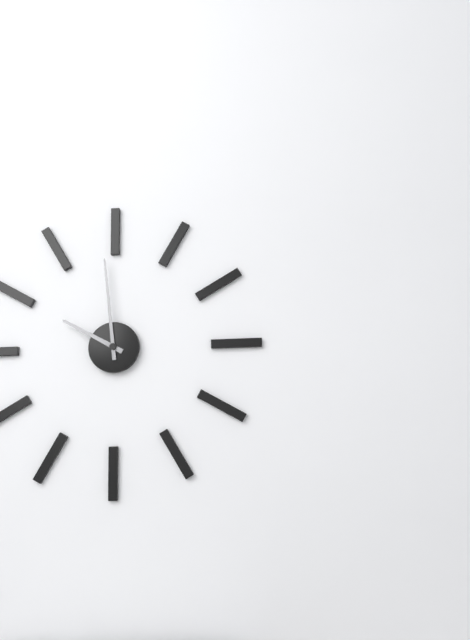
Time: h=9 m=59
